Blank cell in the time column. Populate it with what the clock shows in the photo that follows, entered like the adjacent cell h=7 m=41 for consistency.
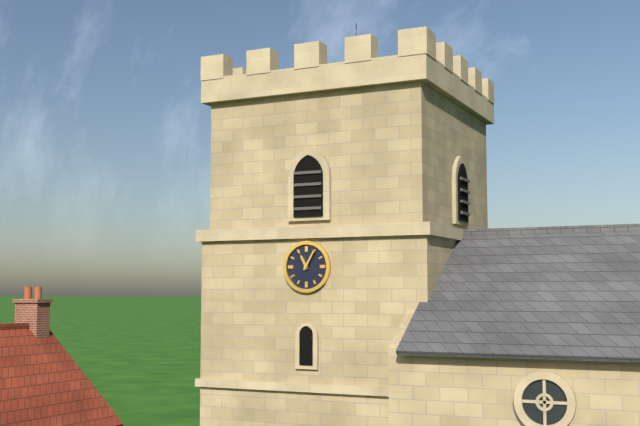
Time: h=11 m=5
